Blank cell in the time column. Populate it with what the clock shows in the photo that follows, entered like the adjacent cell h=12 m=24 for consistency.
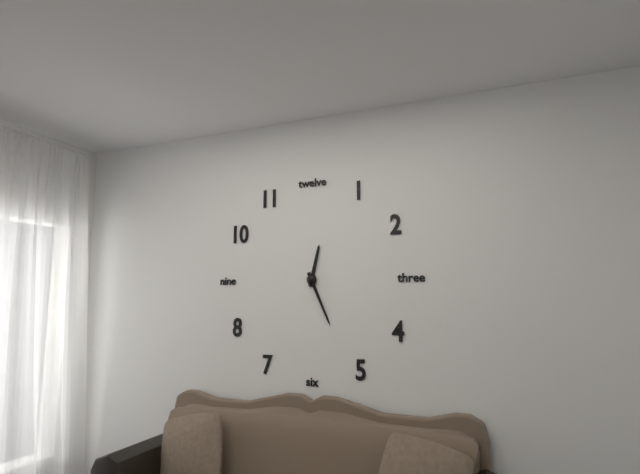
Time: h=12 m=26
